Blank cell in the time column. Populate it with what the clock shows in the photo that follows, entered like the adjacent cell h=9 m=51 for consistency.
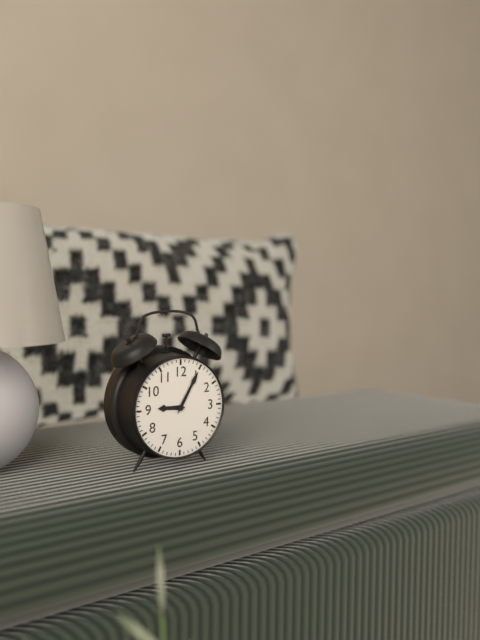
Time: h=9 m=5
